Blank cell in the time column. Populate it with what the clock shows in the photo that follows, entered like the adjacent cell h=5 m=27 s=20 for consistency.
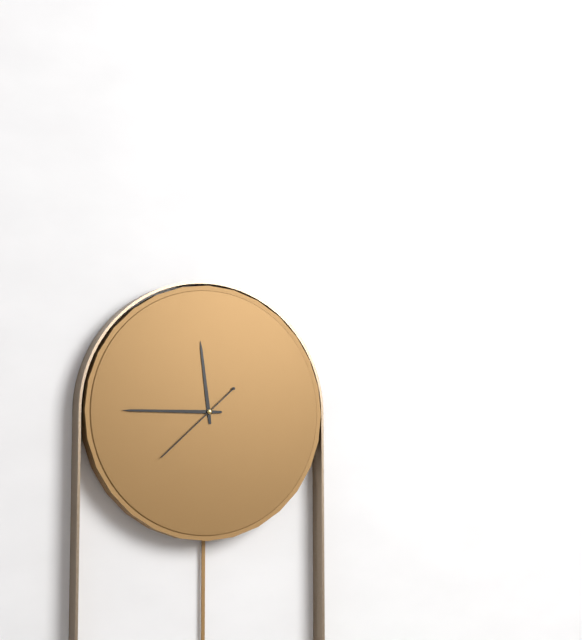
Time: h=11 m=45 s=38
